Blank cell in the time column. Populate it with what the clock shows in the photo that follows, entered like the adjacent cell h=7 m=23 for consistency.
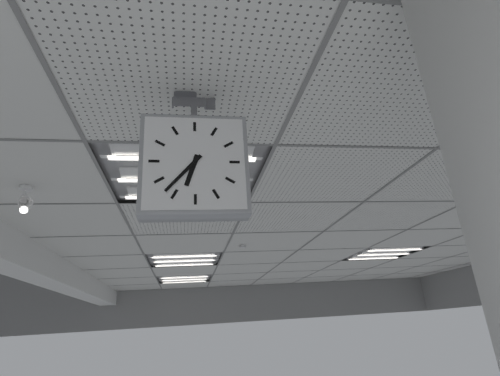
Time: h=6 m=37
